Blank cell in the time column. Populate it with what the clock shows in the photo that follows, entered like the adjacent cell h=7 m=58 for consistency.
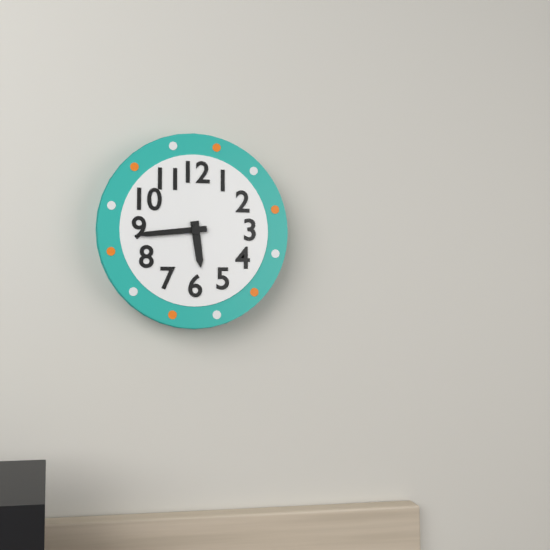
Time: h=5 m=44
